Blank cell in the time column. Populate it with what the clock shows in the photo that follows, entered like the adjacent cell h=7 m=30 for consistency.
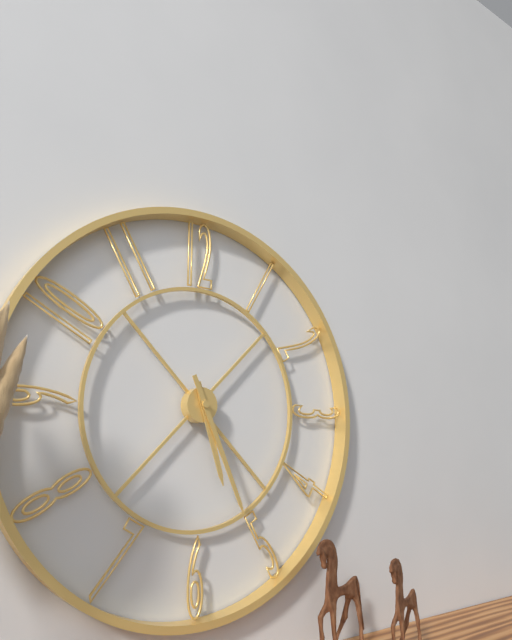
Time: h=5 m=26
